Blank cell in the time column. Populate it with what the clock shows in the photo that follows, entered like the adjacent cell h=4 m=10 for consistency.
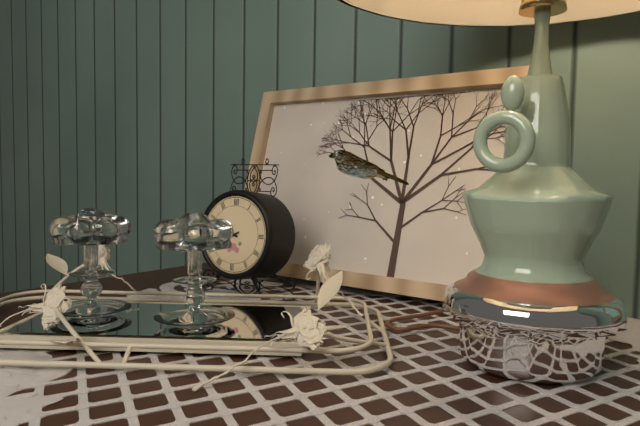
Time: h=9 m=41
